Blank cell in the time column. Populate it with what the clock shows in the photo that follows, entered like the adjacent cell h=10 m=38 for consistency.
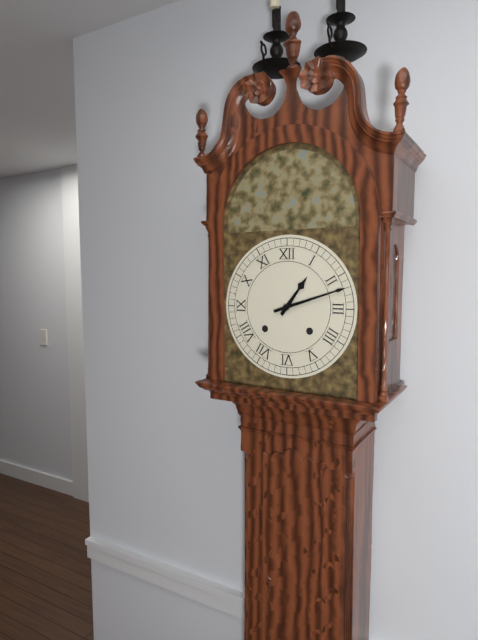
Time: h=1 m=12
